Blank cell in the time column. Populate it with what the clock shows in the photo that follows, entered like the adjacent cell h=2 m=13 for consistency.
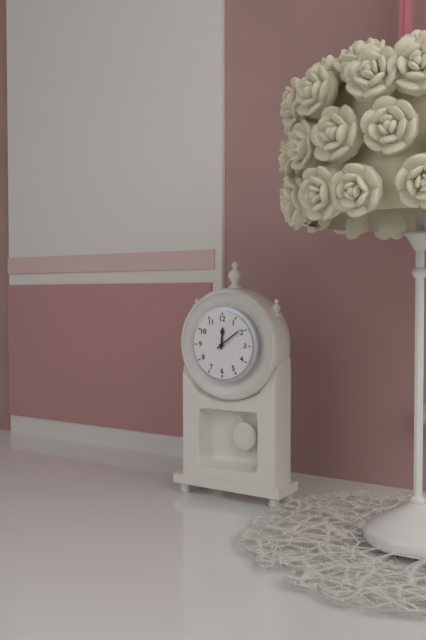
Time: h=12 m=9
